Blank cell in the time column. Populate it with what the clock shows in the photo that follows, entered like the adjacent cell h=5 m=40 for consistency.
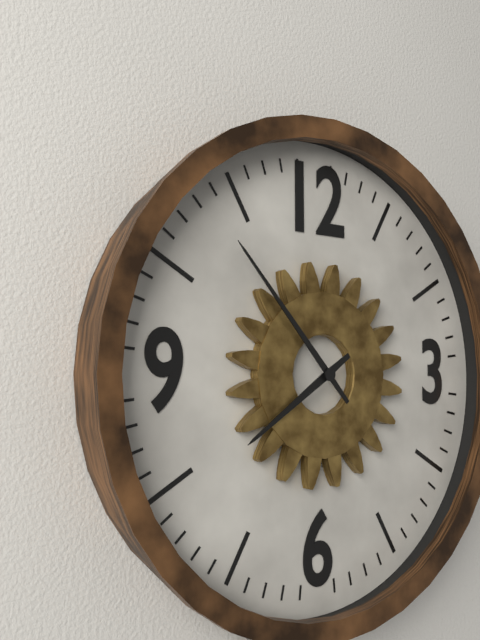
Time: h=7 m=53
